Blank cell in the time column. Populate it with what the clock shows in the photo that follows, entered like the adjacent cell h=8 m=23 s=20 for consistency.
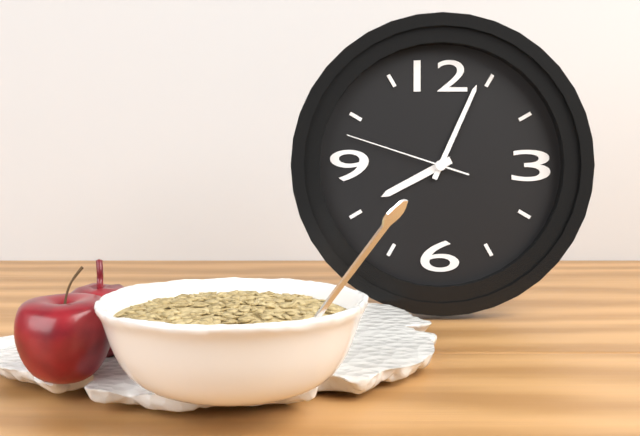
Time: h=8 m=4 s=48
